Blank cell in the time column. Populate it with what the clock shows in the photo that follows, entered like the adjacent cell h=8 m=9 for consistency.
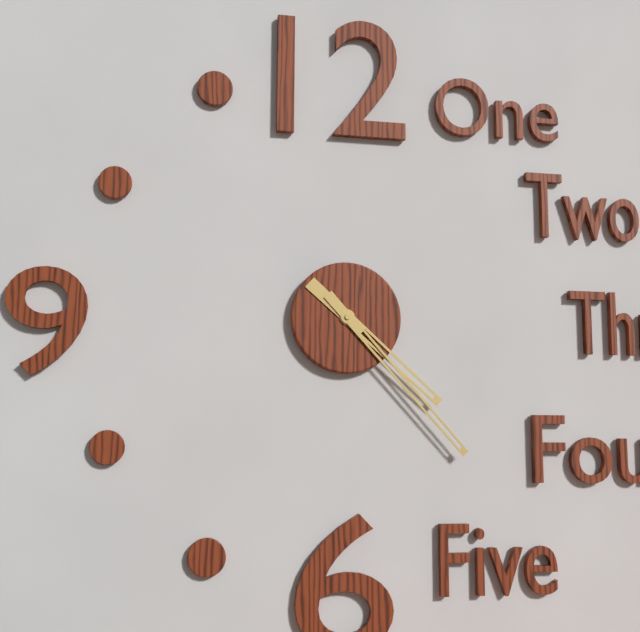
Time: h=4 m=23
